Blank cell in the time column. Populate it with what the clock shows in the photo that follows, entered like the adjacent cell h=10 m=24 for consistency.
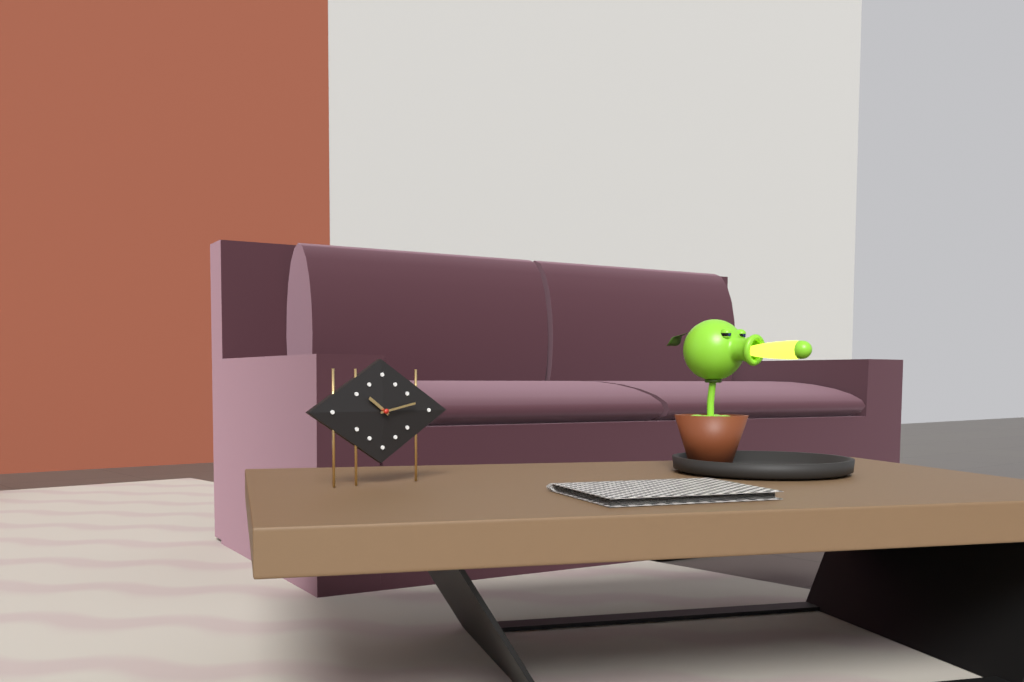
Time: h=10 m=13
